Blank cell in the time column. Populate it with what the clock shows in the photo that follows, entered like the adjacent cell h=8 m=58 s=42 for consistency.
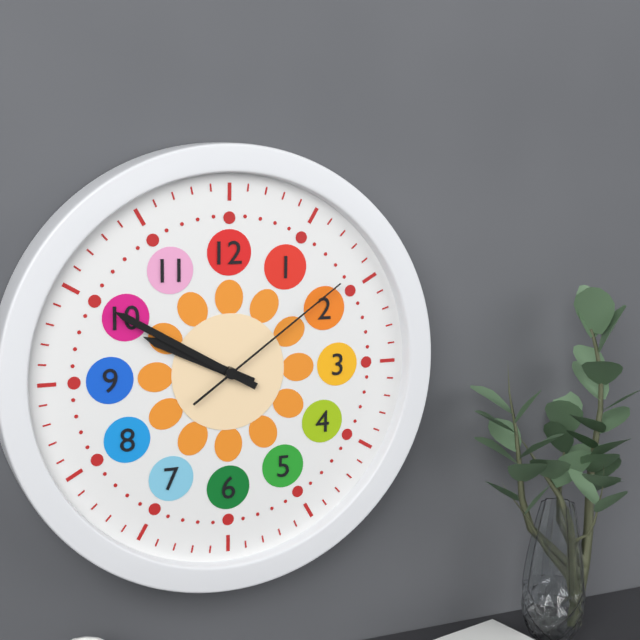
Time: h=9 m=50 s=9
